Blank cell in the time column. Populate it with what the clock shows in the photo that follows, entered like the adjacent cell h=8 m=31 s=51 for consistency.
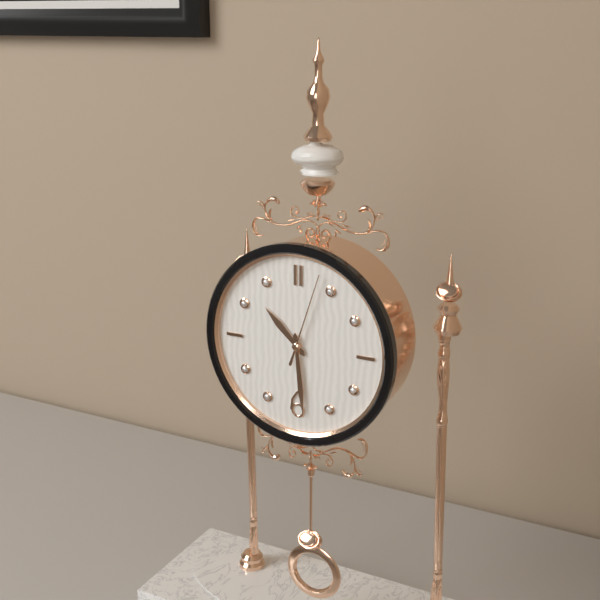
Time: h=10 m=29 s=3
